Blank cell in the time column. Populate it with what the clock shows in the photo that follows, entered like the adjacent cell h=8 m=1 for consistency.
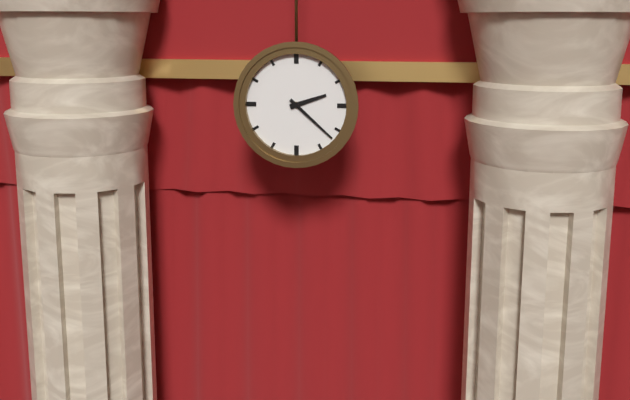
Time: h=2 m=22
